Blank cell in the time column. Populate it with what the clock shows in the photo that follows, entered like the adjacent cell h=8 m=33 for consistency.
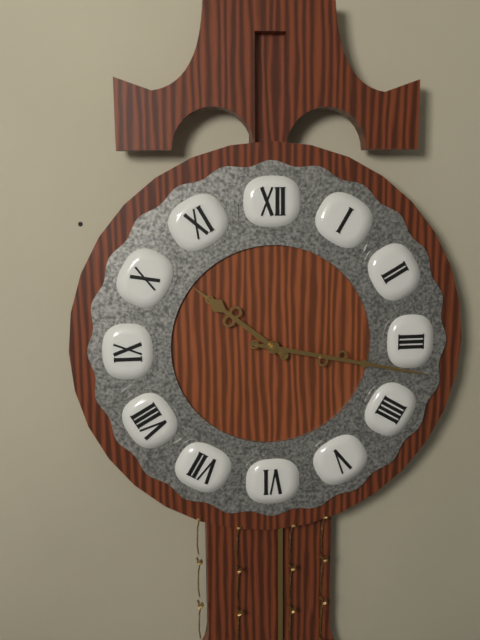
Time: h=10 m=17
